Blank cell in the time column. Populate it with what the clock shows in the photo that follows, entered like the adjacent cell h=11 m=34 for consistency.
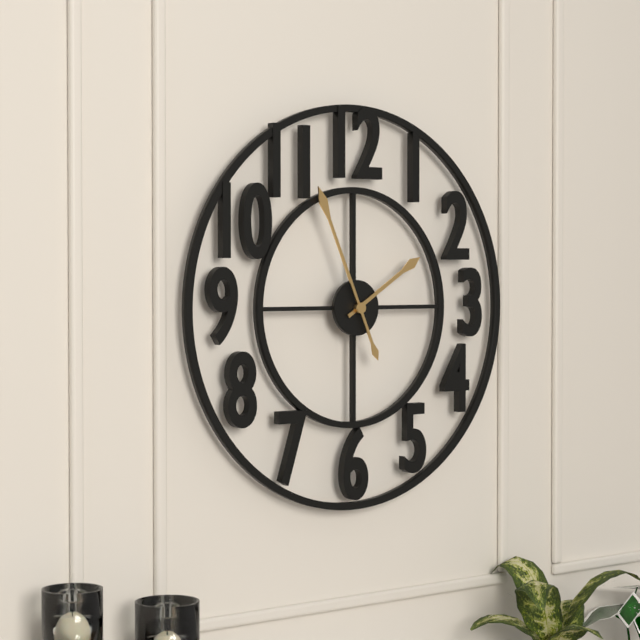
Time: h=1 m=56
